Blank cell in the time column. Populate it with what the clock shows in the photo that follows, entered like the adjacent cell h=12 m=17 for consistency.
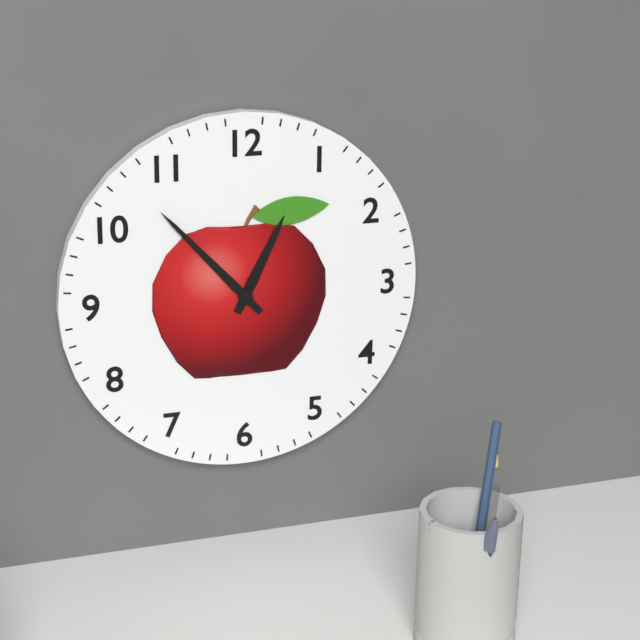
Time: h=12 m=53
